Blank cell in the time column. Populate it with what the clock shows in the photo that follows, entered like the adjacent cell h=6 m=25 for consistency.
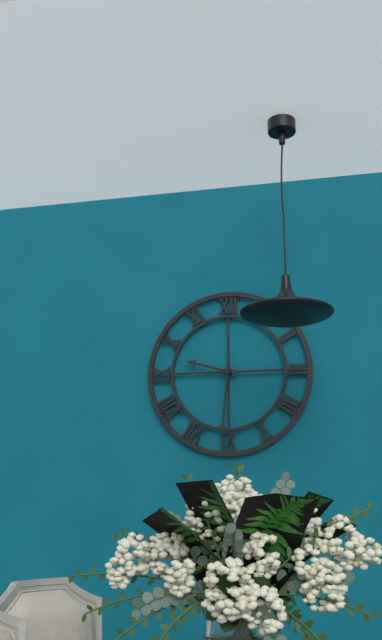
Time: h=9 m=31
